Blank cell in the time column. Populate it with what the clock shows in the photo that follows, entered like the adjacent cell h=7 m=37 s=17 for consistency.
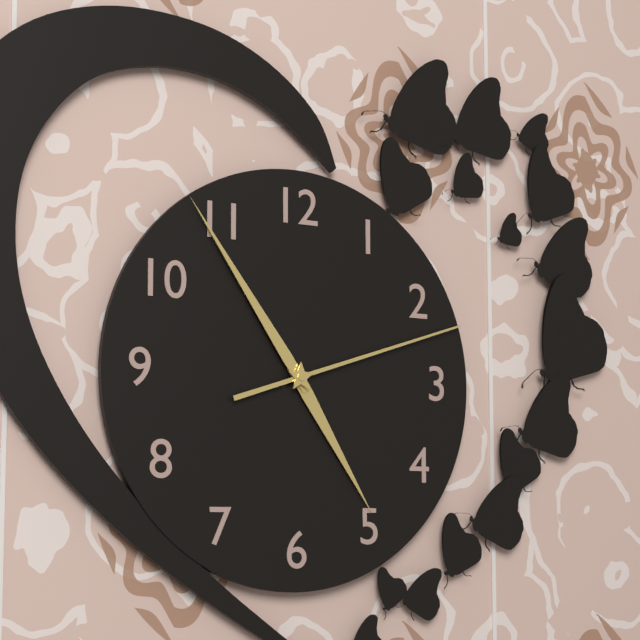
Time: h=4 m=54 s=12
